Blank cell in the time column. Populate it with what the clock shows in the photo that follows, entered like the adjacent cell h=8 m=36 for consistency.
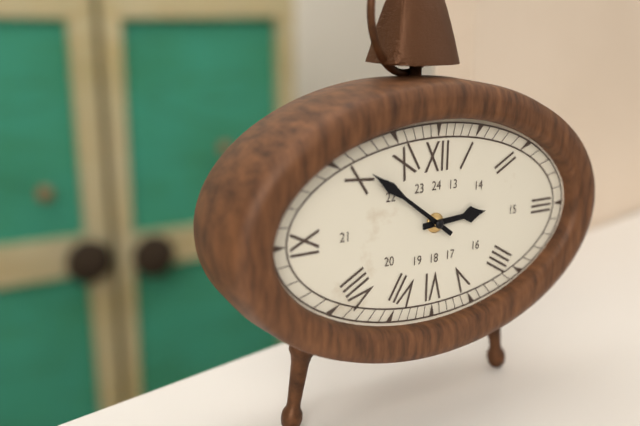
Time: h=2 m=51
